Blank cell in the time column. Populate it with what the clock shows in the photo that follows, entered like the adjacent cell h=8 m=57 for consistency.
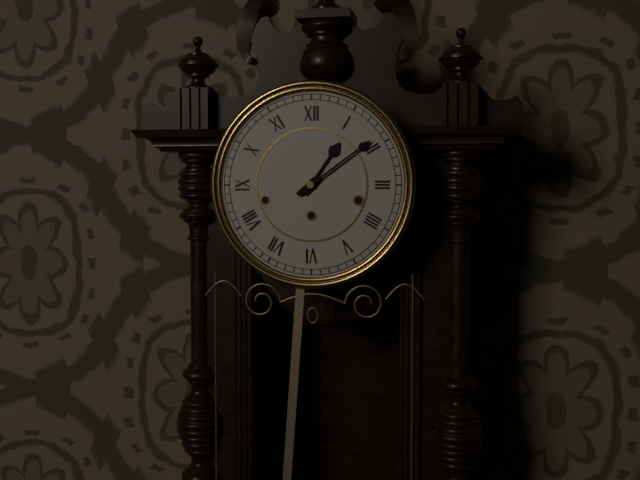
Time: h=1 m=9
